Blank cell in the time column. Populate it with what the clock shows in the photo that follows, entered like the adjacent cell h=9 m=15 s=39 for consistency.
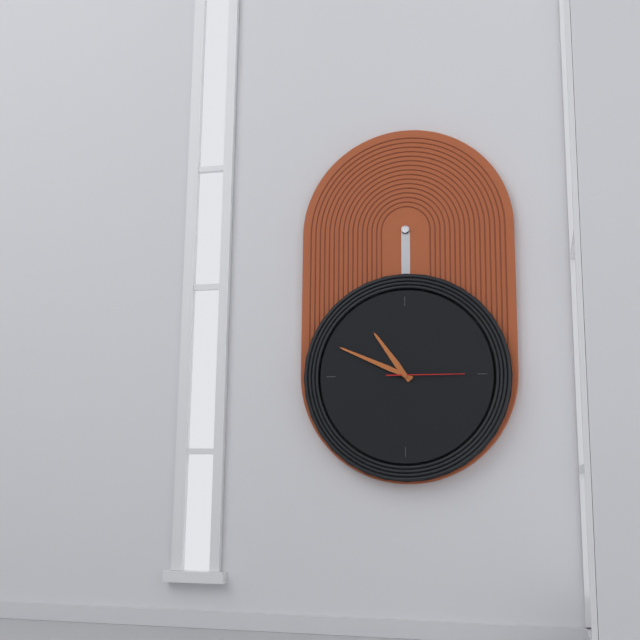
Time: h=10 m=49 s=15
